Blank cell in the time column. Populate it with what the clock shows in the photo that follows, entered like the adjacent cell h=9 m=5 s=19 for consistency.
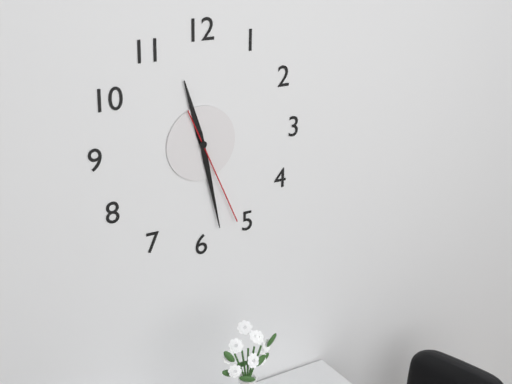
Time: h=11 m=28 s=26
